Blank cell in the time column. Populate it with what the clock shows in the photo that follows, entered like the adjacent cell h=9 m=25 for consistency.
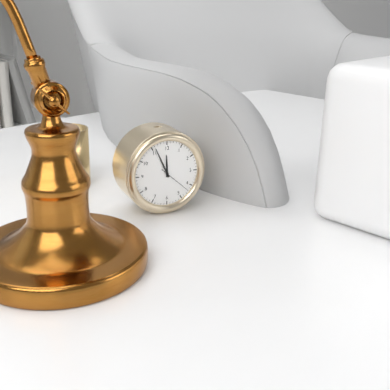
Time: h=11 m=56
